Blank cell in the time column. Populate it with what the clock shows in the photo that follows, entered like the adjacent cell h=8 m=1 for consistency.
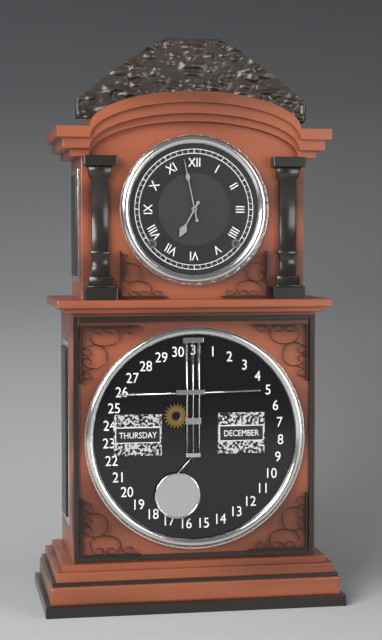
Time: h=6 m=58
